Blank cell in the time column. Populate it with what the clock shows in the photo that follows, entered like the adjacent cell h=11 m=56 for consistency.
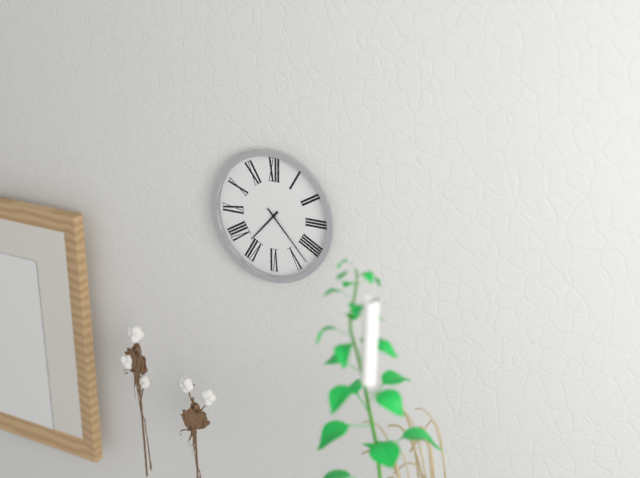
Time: h=7 m=23
